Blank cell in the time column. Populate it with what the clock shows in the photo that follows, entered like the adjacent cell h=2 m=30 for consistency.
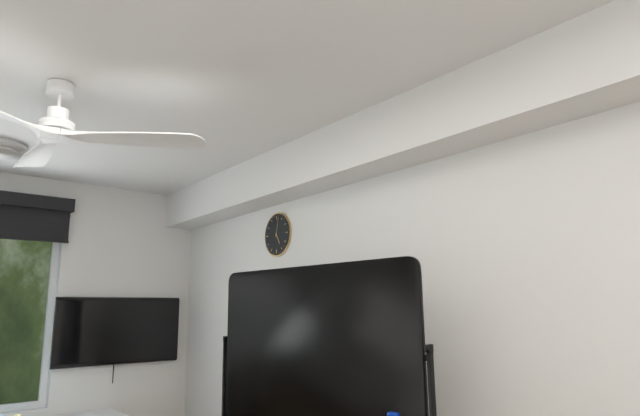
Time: h=5 m=2
